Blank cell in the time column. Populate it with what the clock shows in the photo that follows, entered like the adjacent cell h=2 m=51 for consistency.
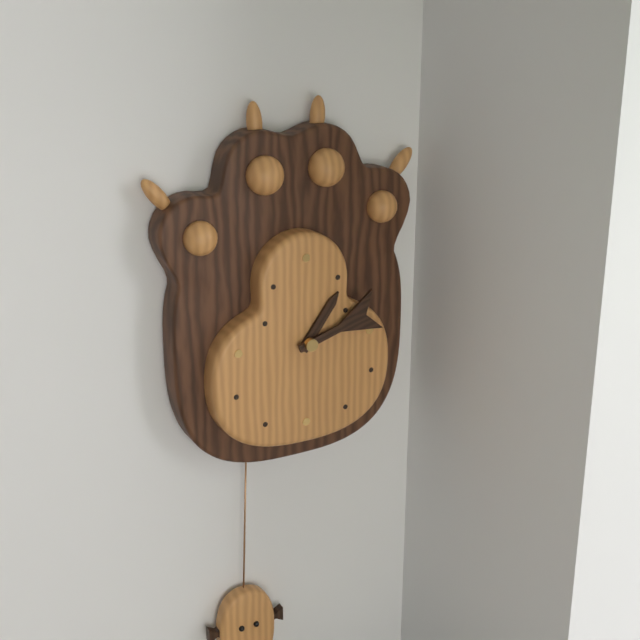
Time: h=1 m=12
